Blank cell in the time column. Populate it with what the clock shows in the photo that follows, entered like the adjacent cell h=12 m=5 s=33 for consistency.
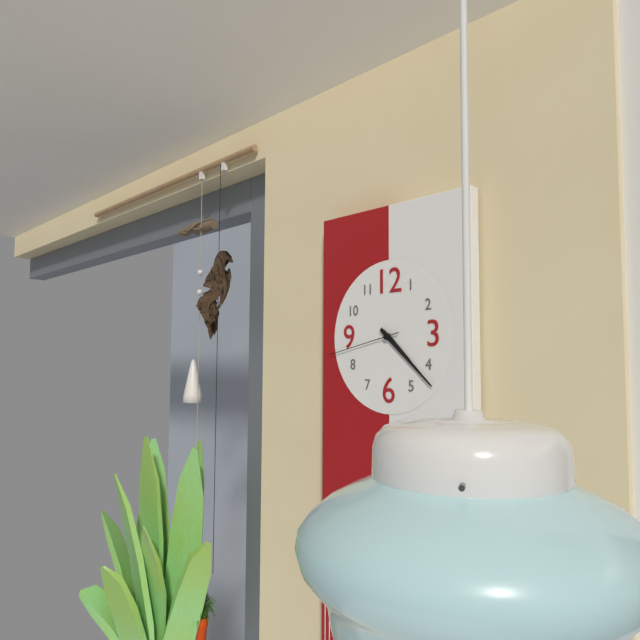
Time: h=4 m=22 s=43
